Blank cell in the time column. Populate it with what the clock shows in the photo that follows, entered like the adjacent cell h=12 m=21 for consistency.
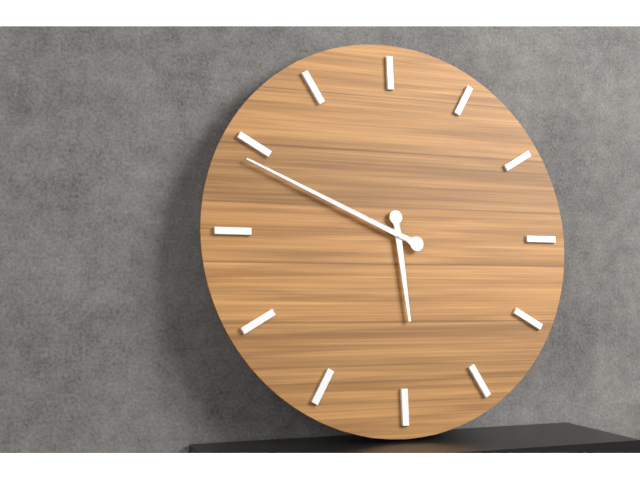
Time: h=5 m=49
